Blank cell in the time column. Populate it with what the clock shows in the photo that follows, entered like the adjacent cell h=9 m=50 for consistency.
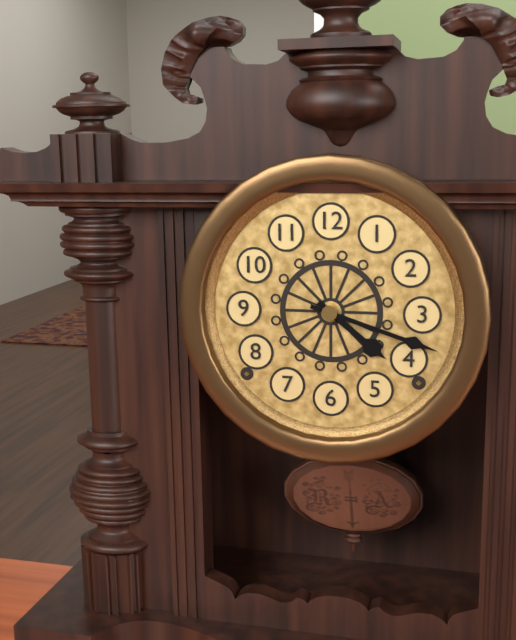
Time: h=4 m=18
